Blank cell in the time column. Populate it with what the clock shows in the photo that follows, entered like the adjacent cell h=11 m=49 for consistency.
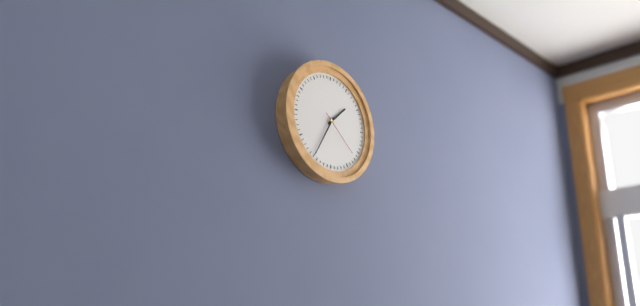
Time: h=1 m=35
